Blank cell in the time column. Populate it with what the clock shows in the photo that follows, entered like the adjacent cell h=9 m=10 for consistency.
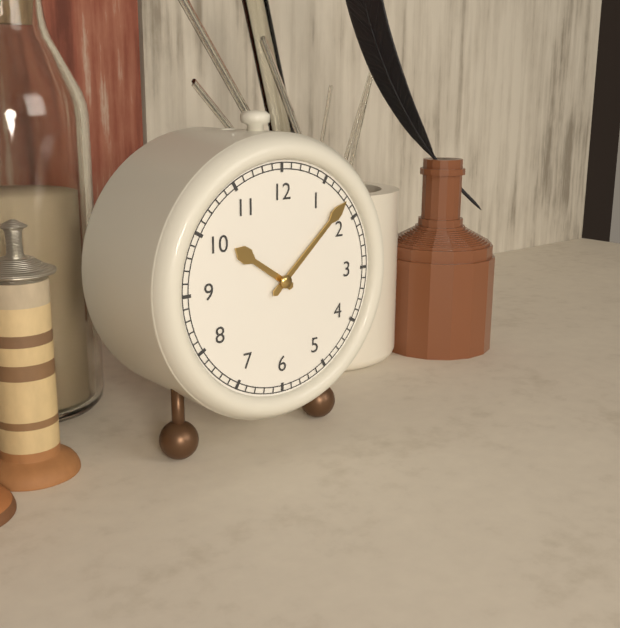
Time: h=10 m=8
